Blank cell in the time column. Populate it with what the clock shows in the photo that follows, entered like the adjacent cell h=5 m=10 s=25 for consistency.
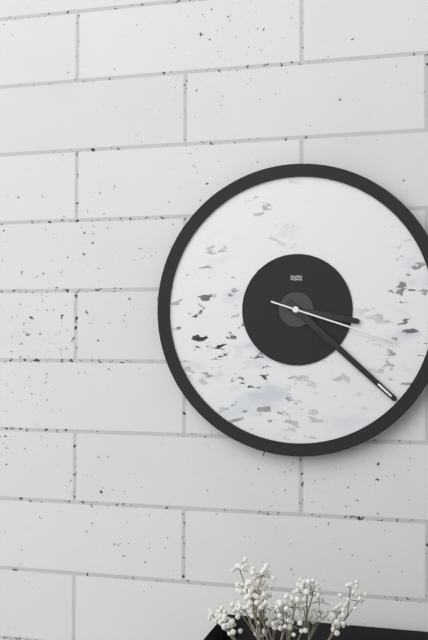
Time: h=3 m=22 s=18
